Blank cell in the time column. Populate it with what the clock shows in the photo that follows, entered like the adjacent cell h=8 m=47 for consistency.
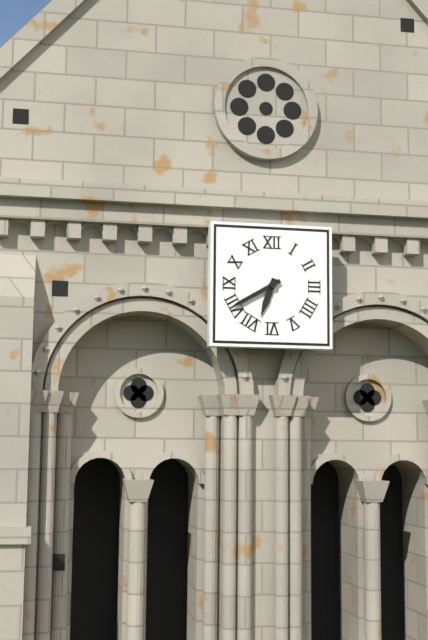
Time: h=6 m=40
